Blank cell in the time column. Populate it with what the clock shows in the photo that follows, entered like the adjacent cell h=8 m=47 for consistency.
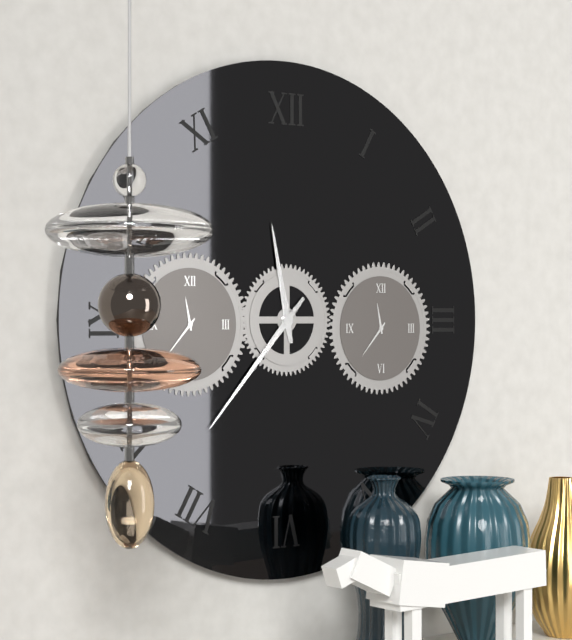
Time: h=11 m=37
